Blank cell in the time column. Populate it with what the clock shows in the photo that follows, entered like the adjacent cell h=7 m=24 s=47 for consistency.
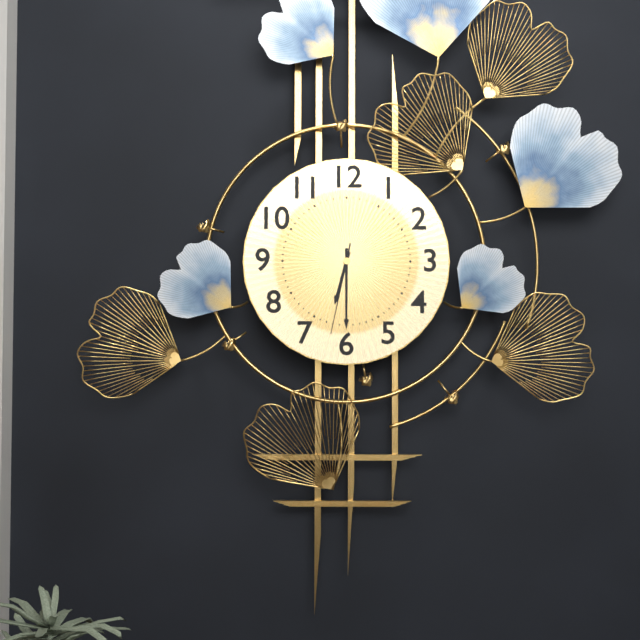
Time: h=6 m=30 s=32
